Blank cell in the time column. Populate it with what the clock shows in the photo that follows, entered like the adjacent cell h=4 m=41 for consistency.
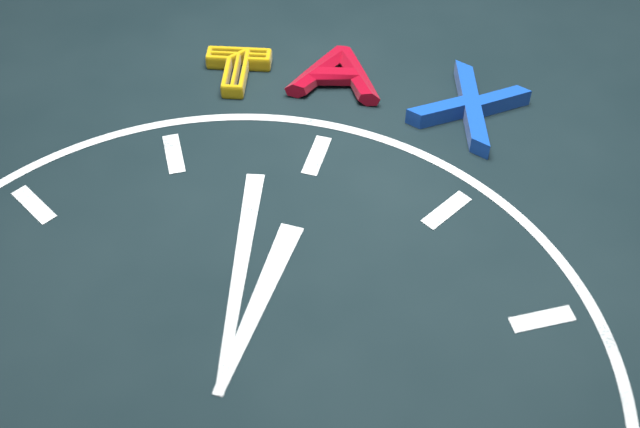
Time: h=1 m=3
